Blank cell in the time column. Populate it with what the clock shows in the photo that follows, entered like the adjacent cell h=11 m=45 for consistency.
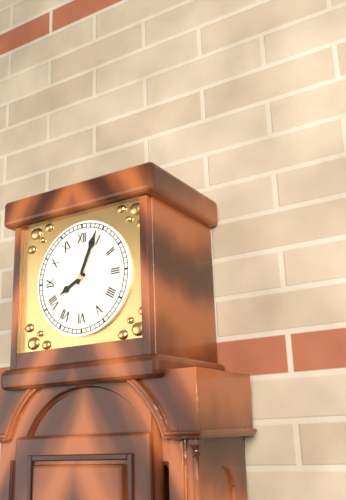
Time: h=8 m=4
